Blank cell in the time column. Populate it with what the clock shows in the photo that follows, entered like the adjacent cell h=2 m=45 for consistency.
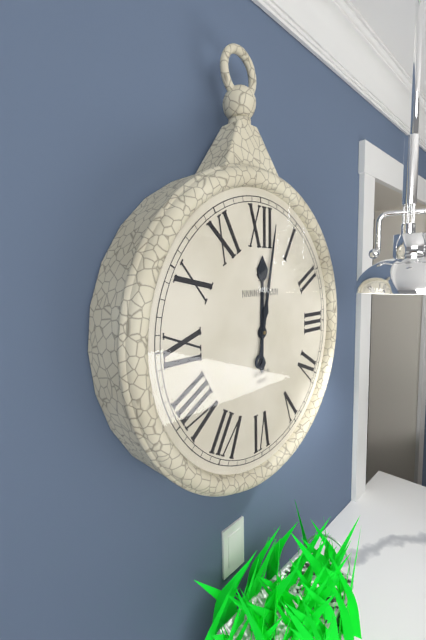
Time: h=12 m=2
